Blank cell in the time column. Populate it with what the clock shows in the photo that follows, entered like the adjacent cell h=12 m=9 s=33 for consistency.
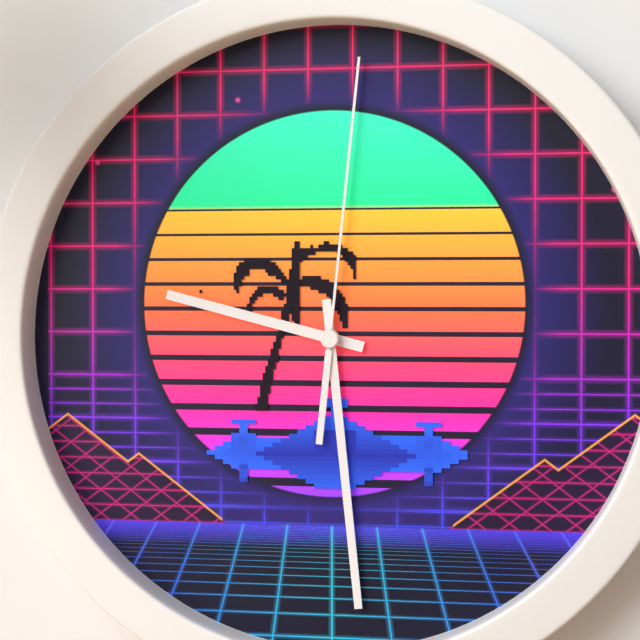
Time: h=9 m=29 s=1
